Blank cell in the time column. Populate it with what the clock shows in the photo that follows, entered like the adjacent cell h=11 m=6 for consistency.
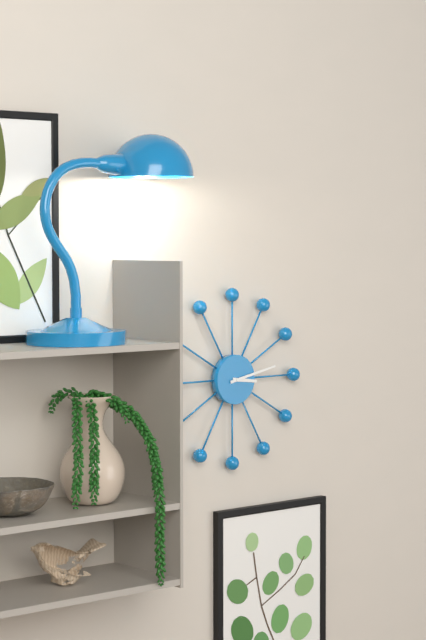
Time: h=3 m=13
